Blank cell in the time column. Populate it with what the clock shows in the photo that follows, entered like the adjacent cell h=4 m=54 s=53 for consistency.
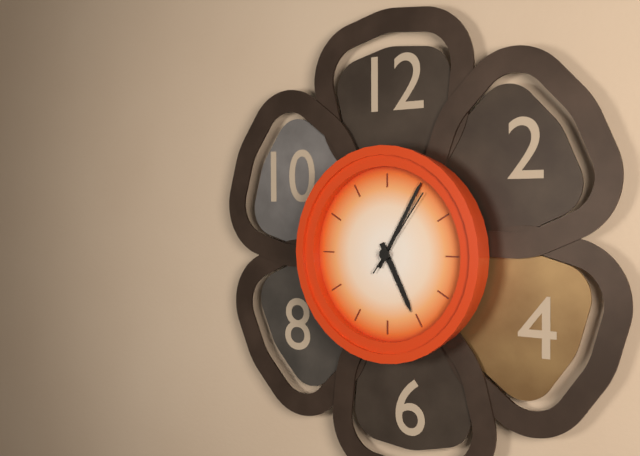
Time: h=5 m=5 s=6
